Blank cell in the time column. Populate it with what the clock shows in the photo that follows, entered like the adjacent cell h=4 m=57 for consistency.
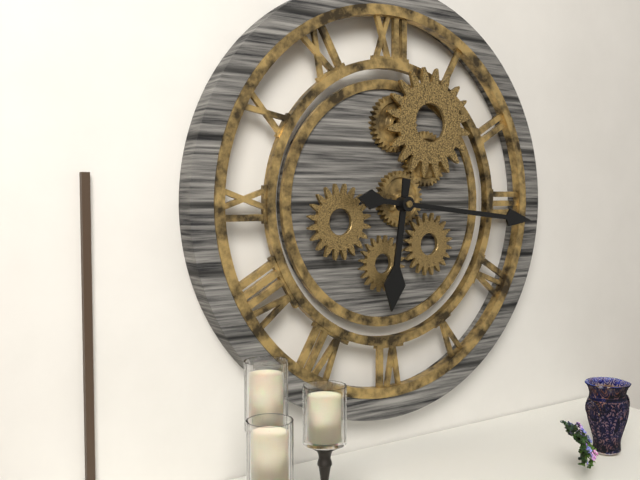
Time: h=6 m=16
